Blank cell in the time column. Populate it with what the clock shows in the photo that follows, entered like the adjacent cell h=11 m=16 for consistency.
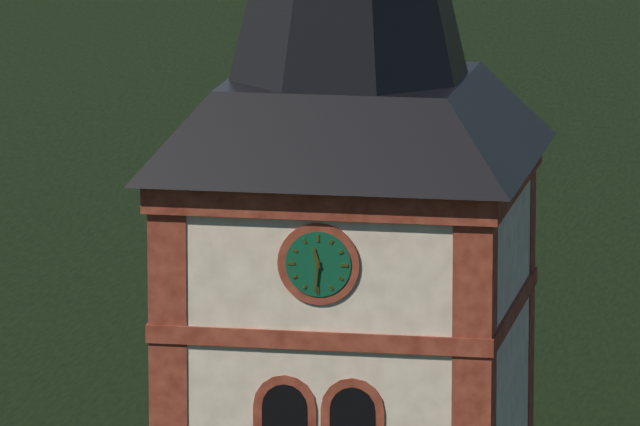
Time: h=11 m=31
